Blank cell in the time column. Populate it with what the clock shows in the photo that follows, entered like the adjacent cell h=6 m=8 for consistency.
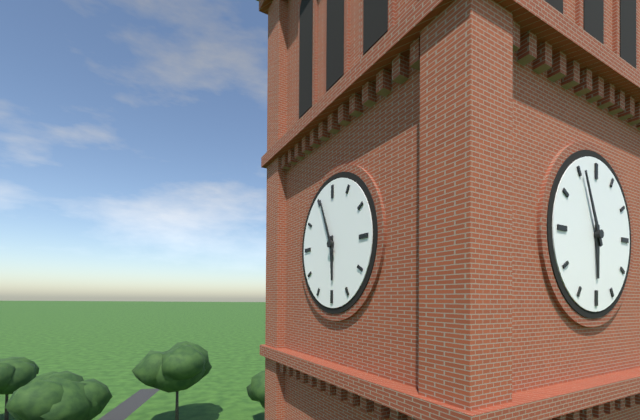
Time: h=5 m=56
